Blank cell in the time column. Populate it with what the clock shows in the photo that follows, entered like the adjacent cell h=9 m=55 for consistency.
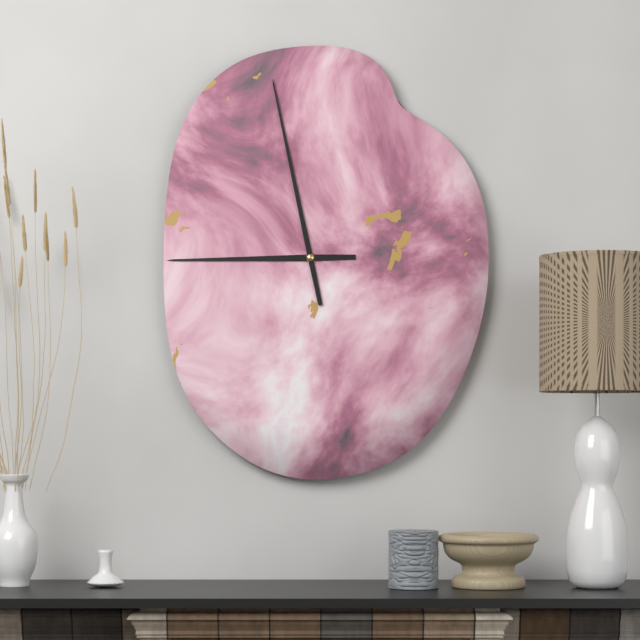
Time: h=8 m=58
